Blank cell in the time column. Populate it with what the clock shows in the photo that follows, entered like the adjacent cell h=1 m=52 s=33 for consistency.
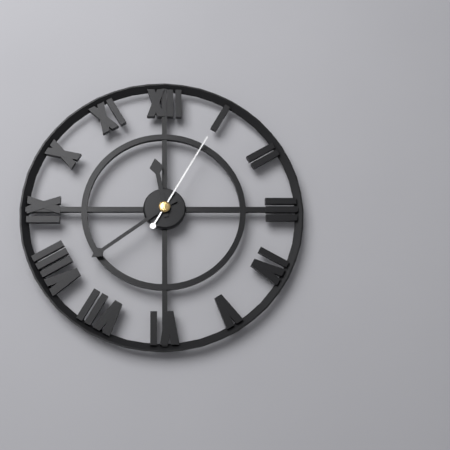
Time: h=11 m=39 s=5
